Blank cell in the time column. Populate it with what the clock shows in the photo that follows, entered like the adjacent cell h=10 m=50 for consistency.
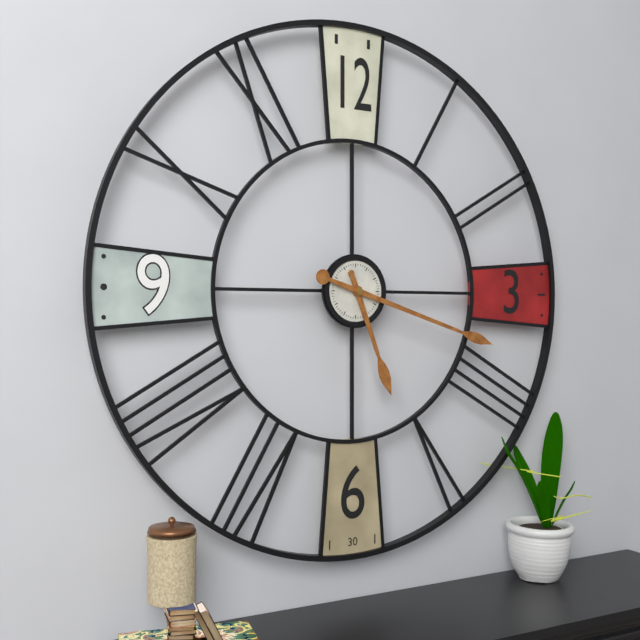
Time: h=5 m=18
